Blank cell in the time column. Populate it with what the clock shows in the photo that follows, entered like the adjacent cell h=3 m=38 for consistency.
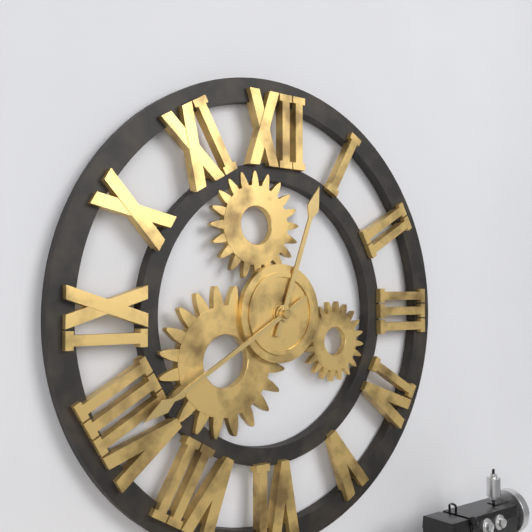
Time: h=12 m=40
